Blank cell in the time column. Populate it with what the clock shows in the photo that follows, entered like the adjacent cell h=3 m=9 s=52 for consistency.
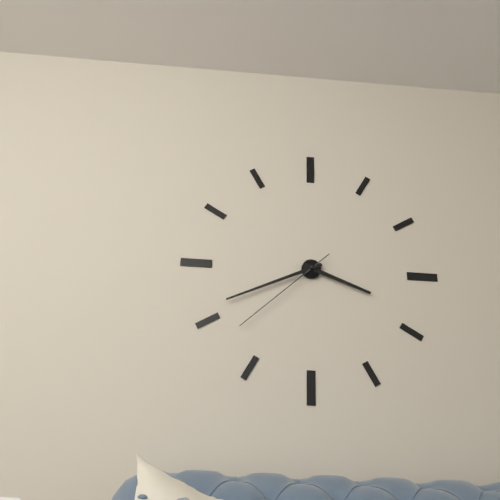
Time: h=3 m=41 s=38
